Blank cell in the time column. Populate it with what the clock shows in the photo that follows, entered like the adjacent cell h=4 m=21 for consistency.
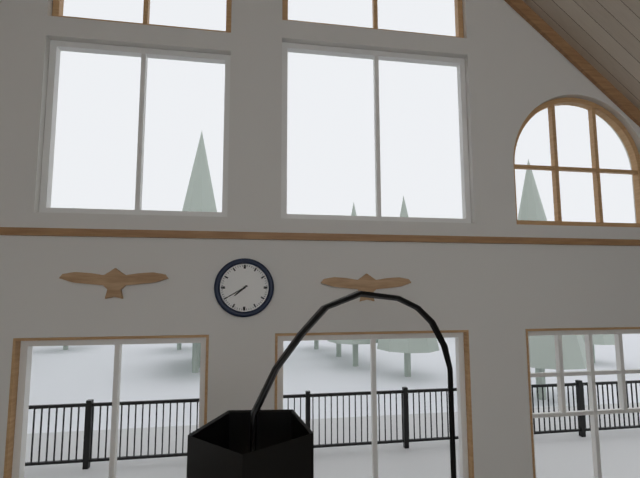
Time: h=7 m=40
